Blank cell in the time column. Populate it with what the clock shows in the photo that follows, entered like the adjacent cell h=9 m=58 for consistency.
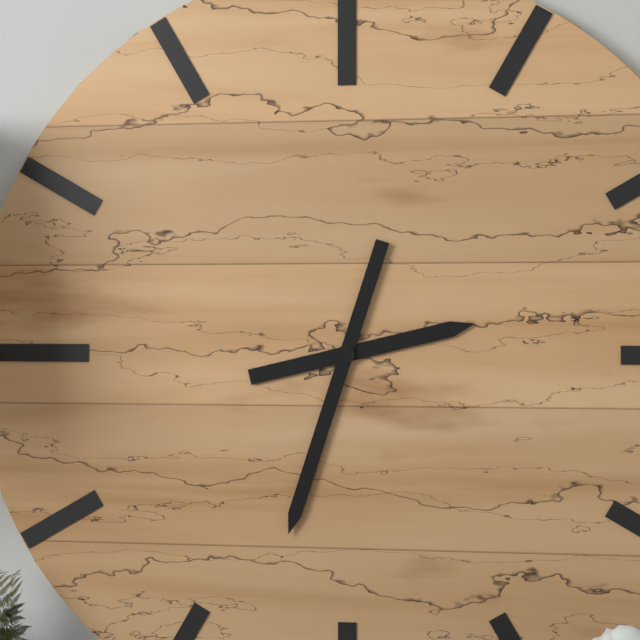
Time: h=2 m=33
